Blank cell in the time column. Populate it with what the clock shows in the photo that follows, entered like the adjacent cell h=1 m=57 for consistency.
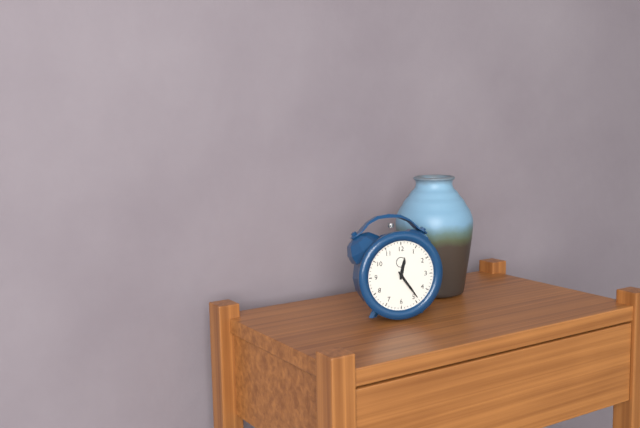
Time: h=12 m=24
